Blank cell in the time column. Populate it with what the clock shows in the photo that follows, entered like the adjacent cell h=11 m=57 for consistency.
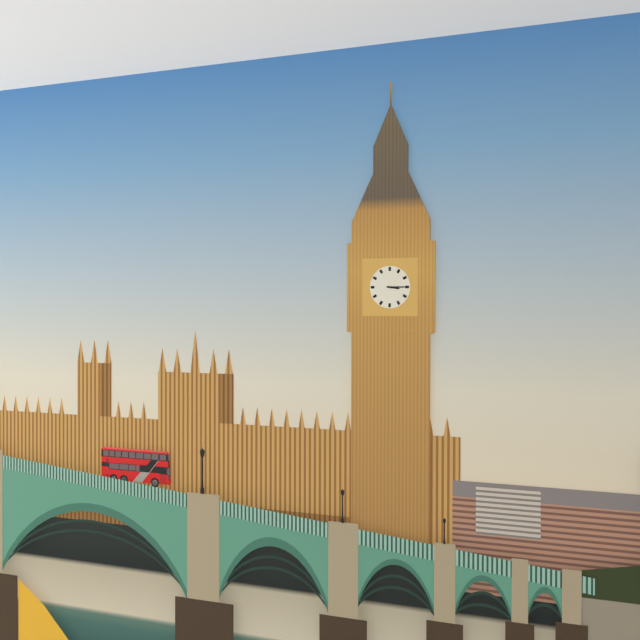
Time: h=3 m=15
